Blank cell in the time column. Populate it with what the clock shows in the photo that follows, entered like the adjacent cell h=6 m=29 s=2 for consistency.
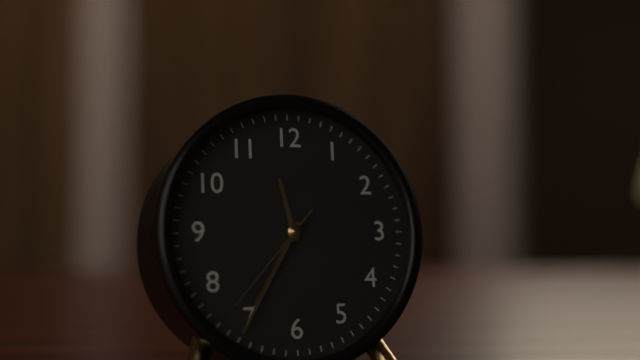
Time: h=11 m=35 s=37
